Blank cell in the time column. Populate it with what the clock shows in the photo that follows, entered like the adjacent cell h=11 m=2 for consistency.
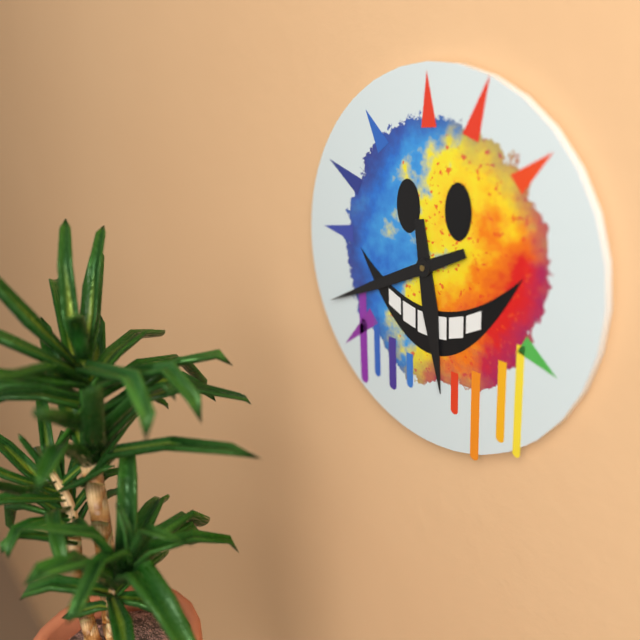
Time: h=5 m=41
